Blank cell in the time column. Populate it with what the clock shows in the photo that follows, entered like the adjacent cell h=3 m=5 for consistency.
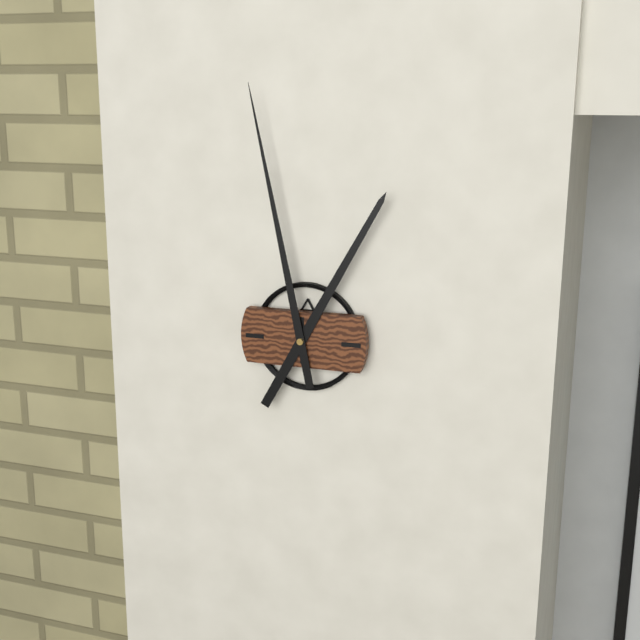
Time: h=12 m=58
